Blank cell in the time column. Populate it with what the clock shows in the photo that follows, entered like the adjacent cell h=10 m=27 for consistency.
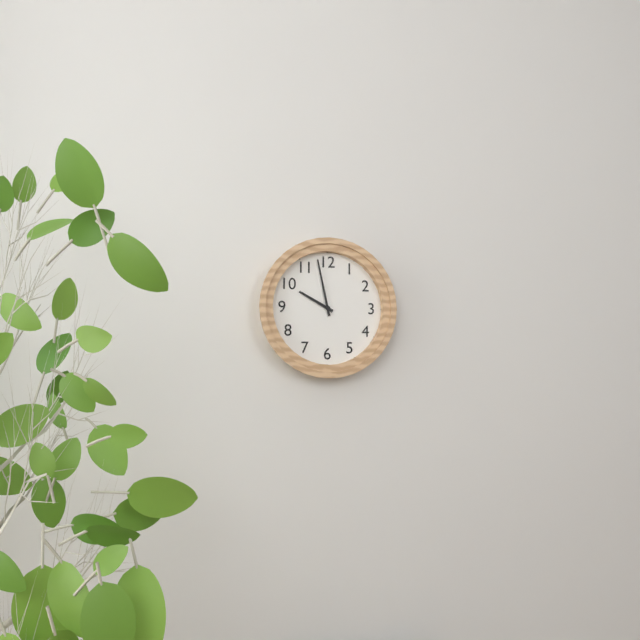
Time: h=9 m=58
